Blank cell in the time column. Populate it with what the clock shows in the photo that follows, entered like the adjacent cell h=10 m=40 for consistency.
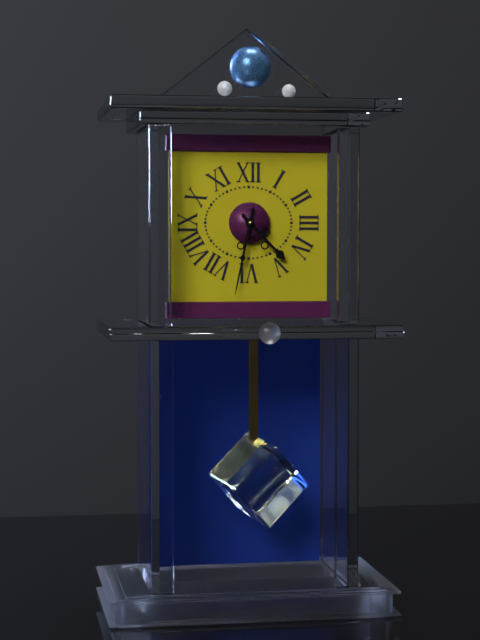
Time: h=4 m=32
